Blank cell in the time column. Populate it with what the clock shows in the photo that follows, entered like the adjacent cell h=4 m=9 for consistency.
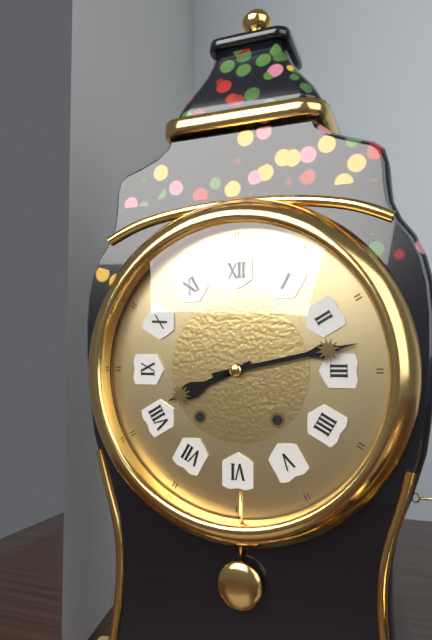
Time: h=8 m=13
